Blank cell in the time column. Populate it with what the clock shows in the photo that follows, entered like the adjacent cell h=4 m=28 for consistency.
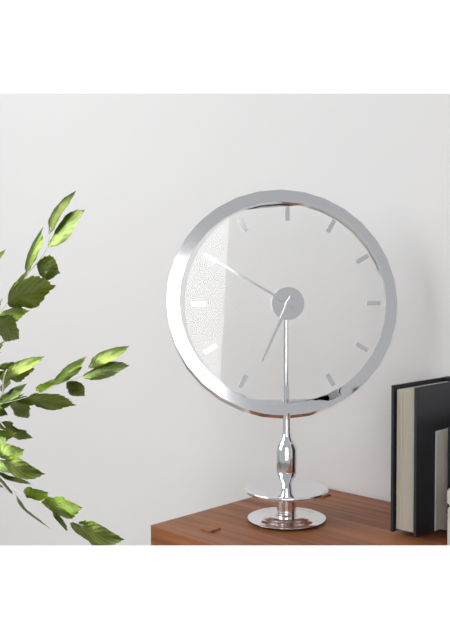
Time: h=6 m=50
